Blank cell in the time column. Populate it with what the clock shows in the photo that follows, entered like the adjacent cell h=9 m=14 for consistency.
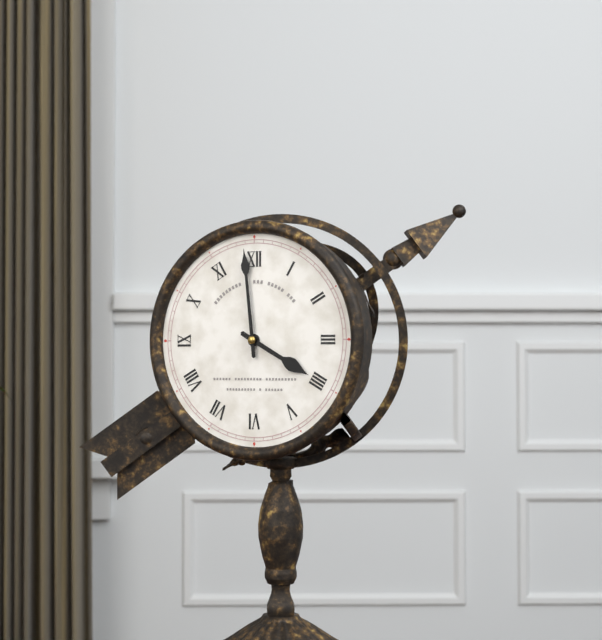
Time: h=3 m=59
